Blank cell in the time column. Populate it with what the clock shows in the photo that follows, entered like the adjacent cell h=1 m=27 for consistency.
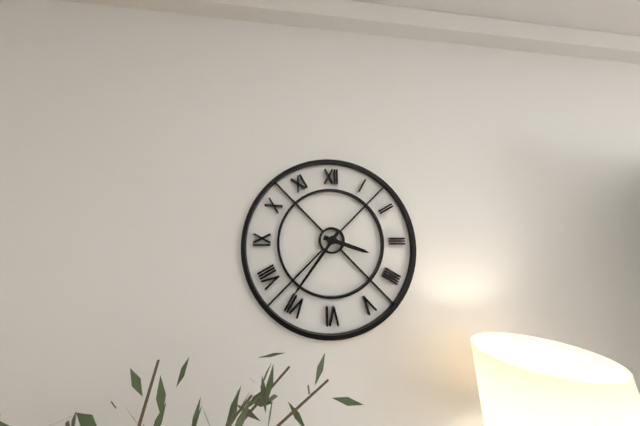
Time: h=3 m=36
